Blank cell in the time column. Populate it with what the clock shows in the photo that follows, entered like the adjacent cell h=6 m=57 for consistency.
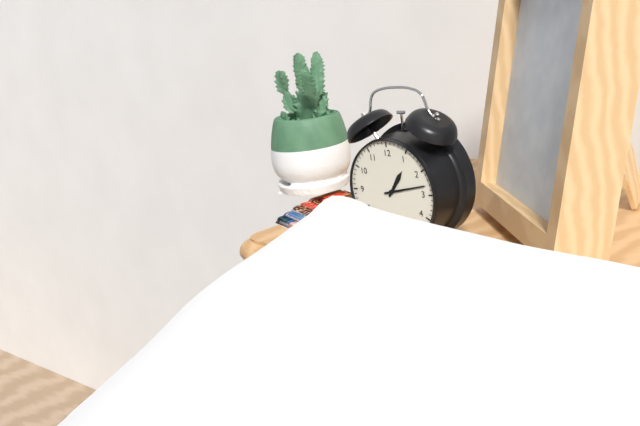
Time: h=1 m=13
